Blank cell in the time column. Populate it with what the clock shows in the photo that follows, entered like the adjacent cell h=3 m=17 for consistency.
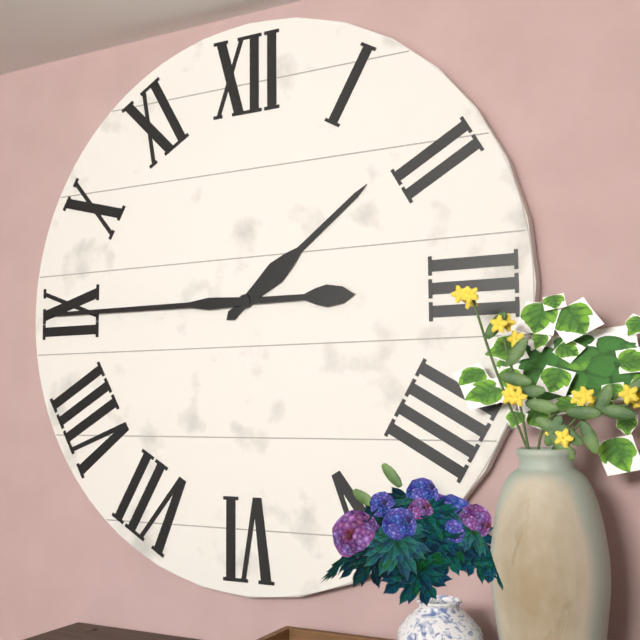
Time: h=1 m=45
